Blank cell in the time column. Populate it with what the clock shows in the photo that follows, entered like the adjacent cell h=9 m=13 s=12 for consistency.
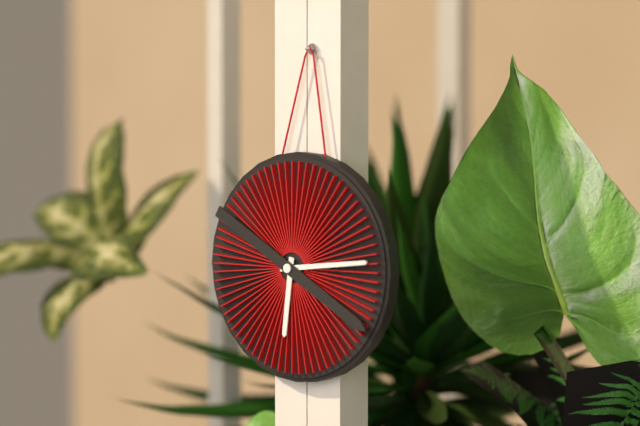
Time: h=6 m=14 s=20
